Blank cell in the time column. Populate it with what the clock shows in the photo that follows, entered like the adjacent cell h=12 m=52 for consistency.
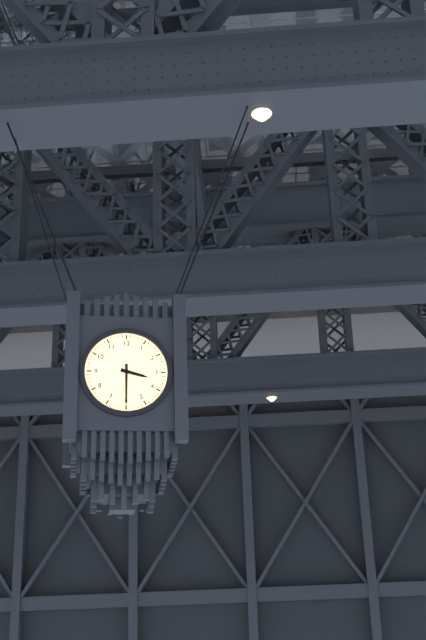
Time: h=3 m=30
